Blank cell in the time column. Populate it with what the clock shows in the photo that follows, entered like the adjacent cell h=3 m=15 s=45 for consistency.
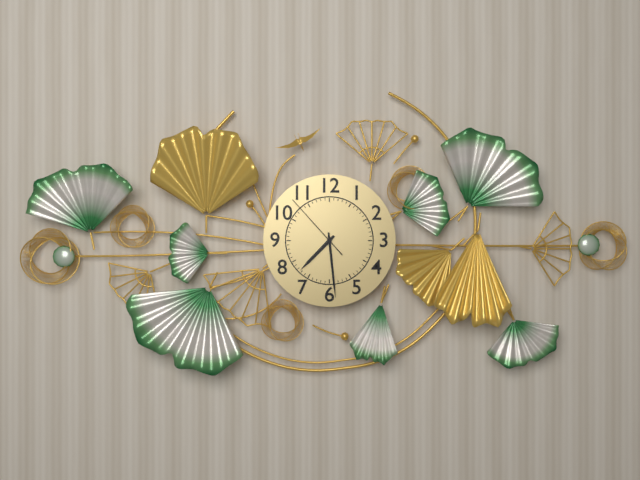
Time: h=7 m=29 s=53
